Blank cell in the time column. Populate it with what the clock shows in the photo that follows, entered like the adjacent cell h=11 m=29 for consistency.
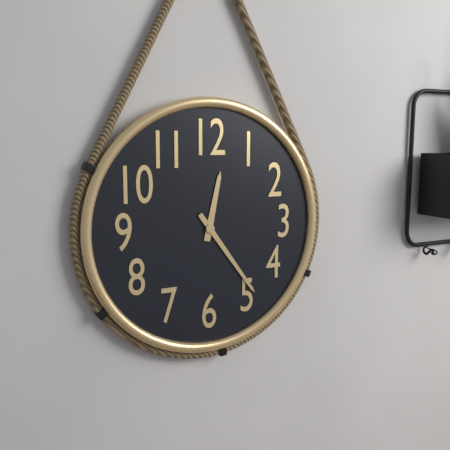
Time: h=12 m=24
